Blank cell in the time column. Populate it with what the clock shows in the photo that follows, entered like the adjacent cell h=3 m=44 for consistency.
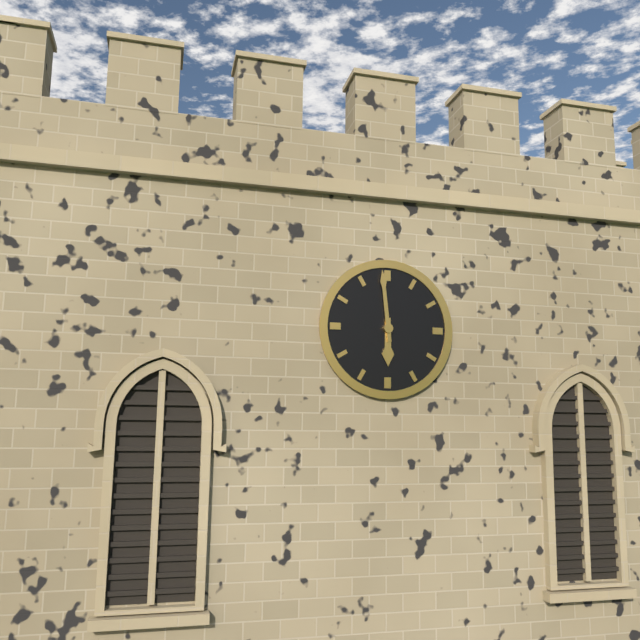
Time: h=5 m=59
